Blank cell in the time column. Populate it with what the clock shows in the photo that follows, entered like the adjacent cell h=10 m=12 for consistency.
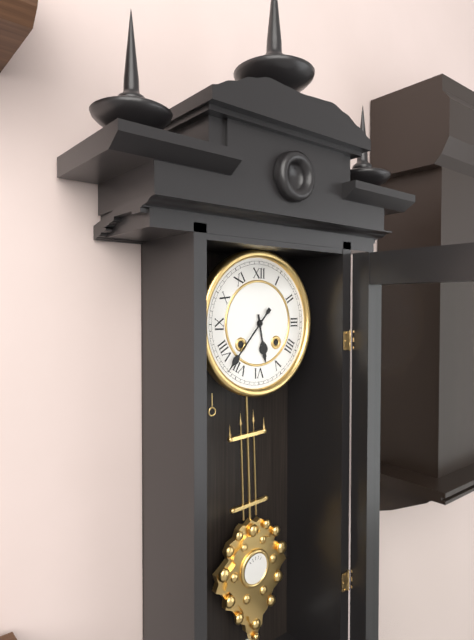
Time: h=5 m=37
